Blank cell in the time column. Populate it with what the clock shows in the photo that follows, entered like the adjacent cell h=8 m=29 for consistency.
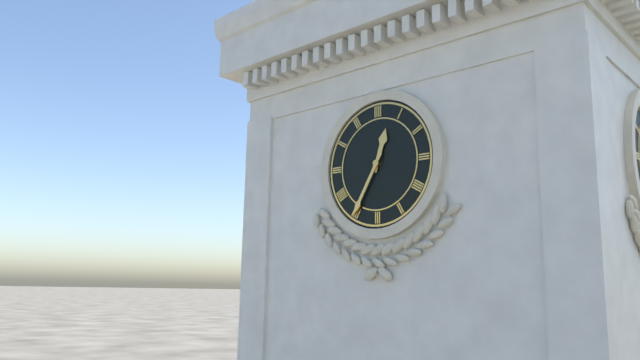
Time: h=12 m=35
